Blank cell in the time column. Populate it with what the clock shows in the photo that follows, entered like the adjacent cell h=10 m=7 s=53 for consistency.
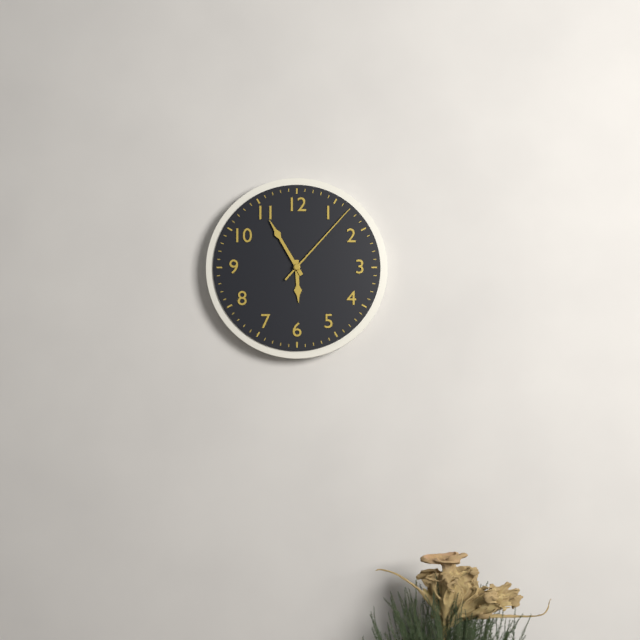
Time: h=5 m=55 s=7
